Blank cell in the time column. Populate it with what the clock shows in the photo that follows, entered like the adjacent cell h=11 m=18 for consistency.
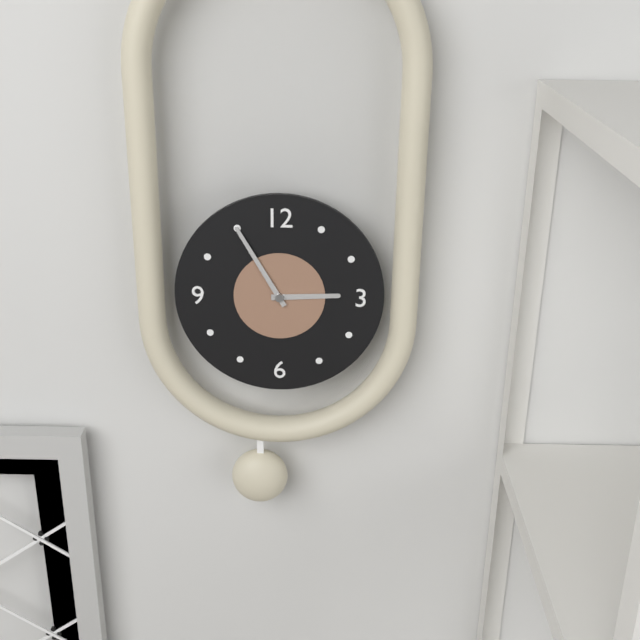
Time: h=2 m=55
